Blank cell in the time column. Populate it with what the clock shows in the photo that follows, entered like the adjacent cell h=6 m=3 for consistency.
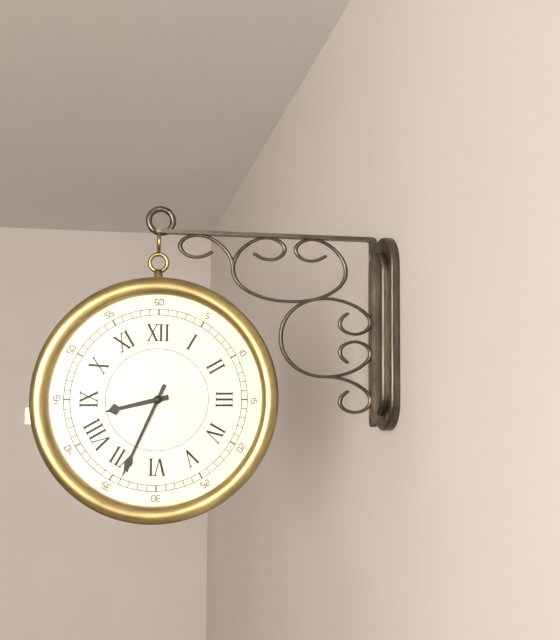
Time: h=8 m=34
